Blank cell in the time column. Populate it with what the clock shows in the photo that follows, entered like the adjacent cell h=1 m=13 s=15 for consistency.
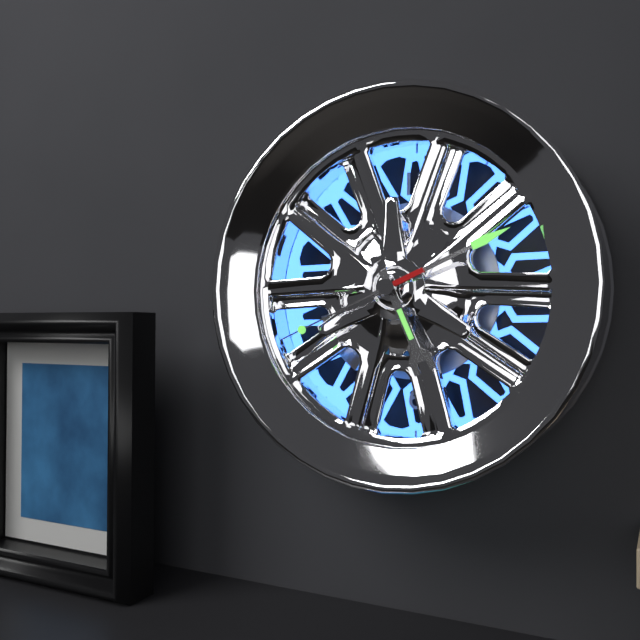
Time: h=5 m=11 s=41
